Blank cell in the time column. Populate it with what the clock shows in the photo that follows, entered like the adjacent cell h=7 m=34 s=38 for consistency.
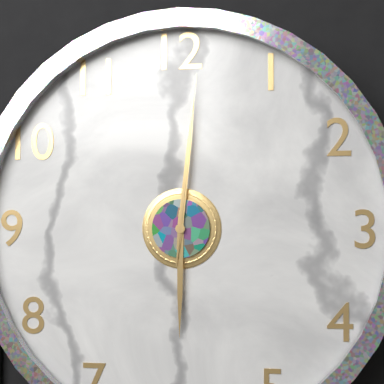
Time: h=6 m=1 s=1
